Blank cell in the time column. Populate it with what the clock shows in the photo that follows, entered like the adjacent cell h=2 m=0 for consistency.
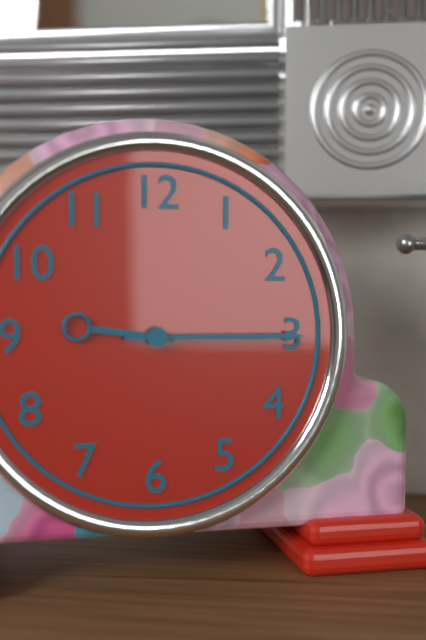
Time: h=9 m=15
